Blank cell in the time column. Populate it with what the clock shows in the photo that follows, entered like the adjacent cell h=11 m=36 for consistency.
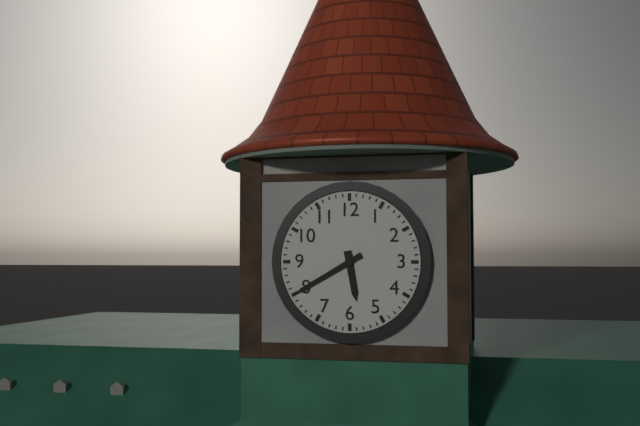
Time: h=5 m=40
